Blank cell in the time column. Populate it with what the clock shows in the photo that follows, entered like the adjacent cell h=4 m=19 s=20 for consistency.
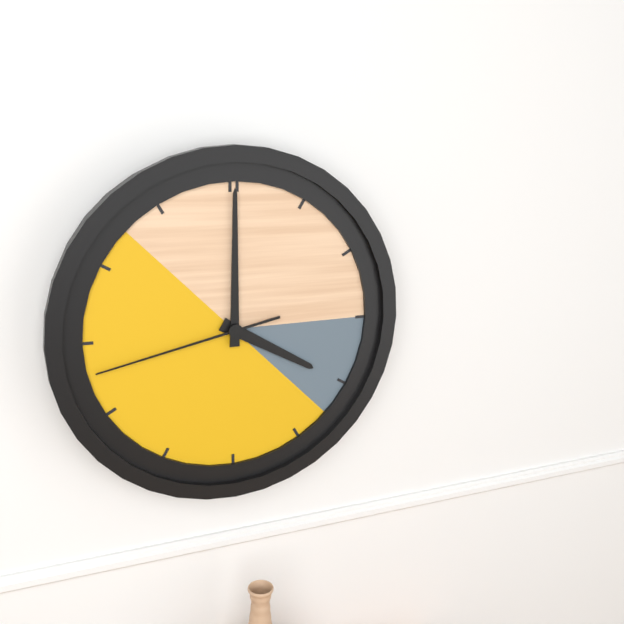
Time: h=4 m=0 s=43
